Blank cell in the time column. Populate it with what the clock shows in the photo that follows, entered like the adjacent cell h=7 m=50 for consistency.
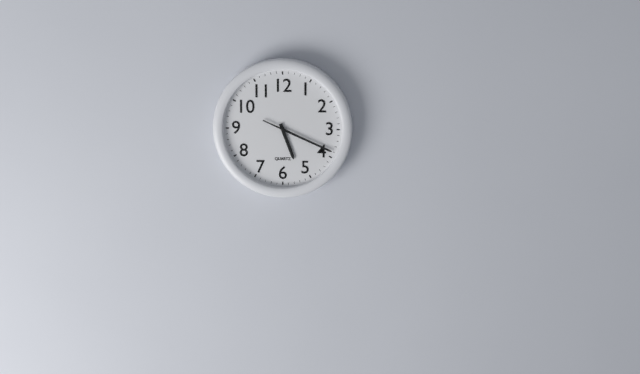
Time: h=5 m=19
